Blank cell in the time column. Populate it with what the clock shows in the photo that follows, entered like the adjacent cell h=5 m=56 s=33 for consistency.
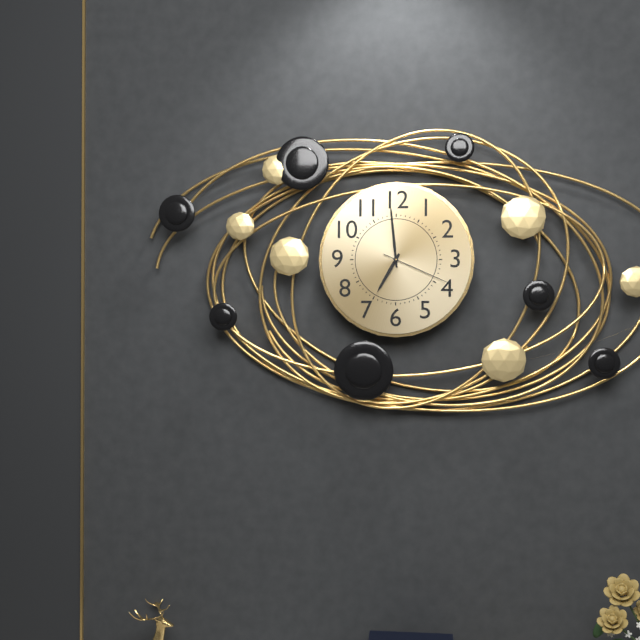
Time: h=6 m=59 s=19
